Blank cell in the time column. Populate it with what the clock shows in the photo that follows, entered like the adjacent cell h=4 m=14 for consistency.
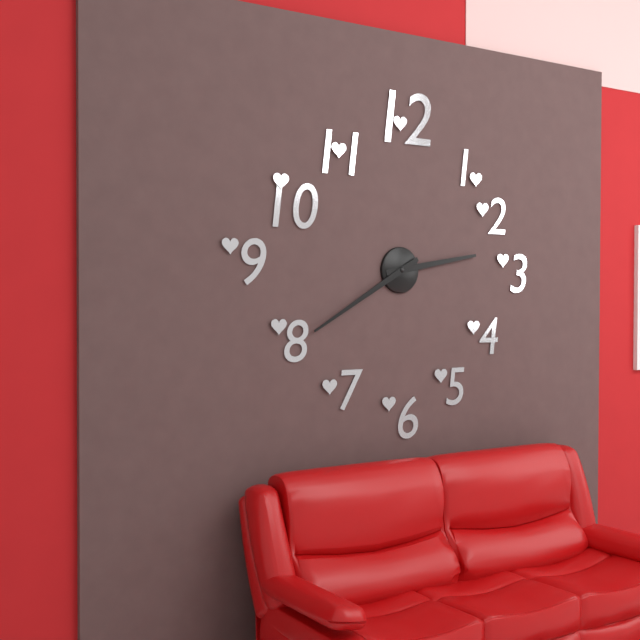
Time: h=2 m=40
